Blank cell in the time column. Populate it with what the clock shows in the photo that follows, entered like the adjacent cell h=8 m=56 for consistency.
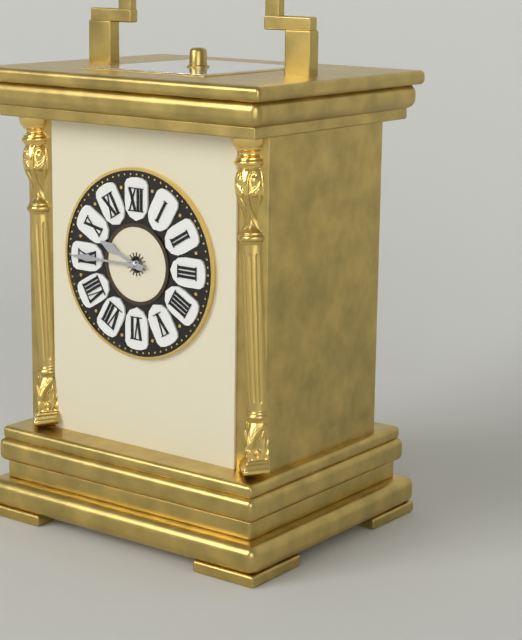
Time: h=9 m=45
